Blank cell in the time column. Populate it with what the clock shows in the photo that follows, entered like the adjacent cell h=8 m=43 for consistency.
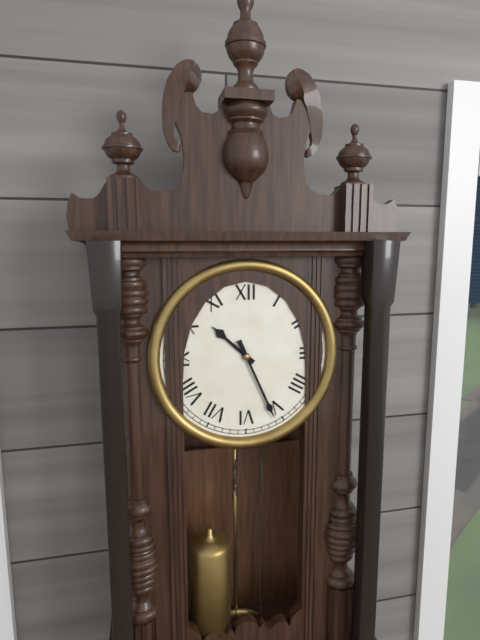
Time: h=10 m=26
